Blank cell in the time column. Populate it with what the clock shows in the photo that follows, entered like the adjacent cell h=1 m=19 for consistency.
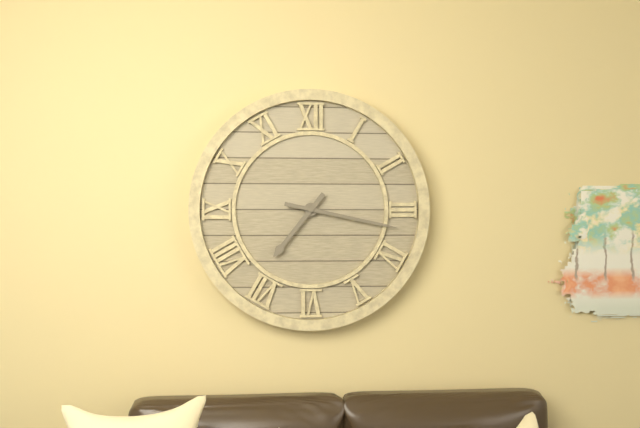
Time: h=7 m=17
